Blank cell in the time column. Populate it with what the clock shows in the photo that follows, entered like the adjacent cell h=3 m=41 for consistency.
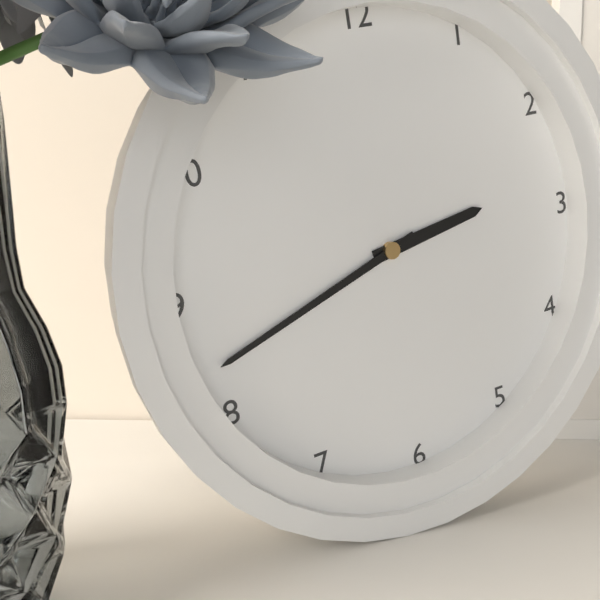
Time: h=2 m=42
